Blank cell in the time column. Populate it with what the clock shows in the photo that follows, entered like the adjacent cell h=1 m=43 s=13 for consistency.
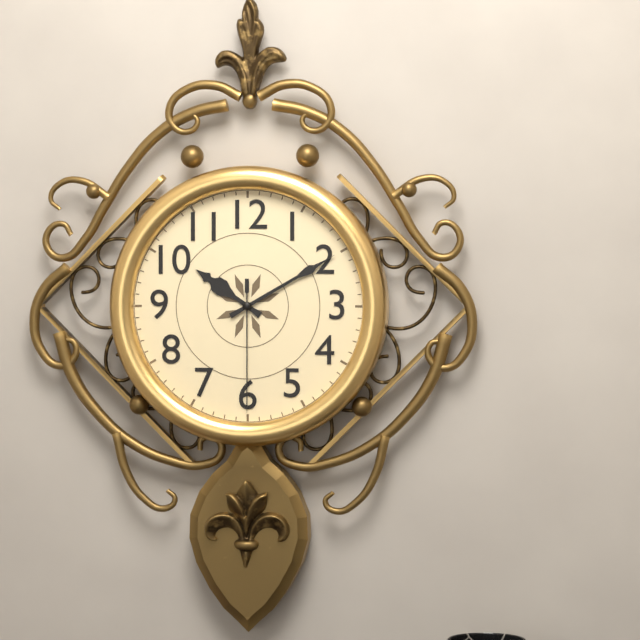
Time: h=10 m=10 s=30
